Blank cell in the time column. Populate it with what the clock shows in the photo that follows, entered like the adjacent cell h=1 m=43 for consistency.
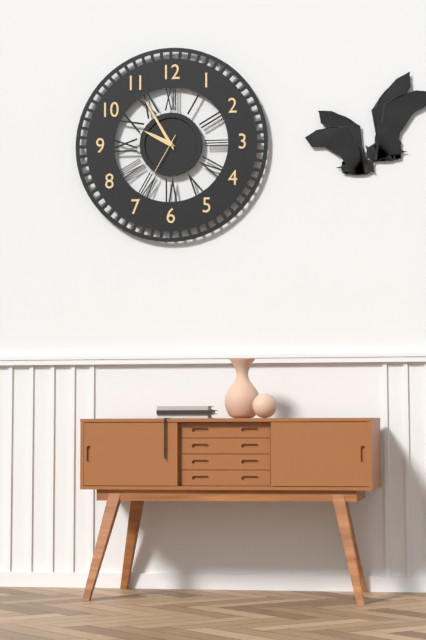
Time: h=9 m=55
